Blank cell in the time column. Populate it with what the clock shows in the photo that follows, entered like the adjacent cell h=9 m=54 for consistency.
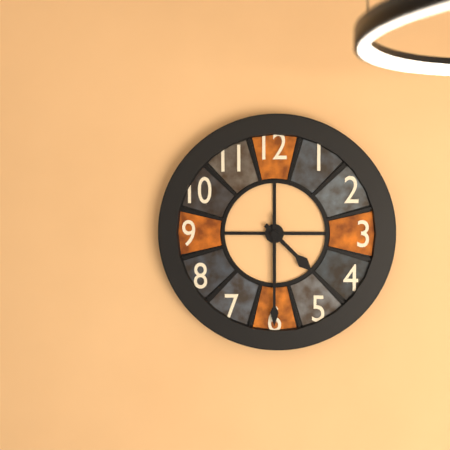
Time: h=4 m=30
